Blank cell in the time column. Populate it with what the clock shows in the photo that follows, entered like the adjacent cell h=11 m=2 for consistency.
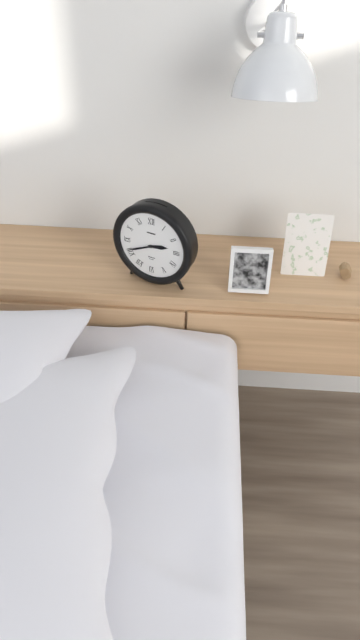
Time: h=2 m=41
